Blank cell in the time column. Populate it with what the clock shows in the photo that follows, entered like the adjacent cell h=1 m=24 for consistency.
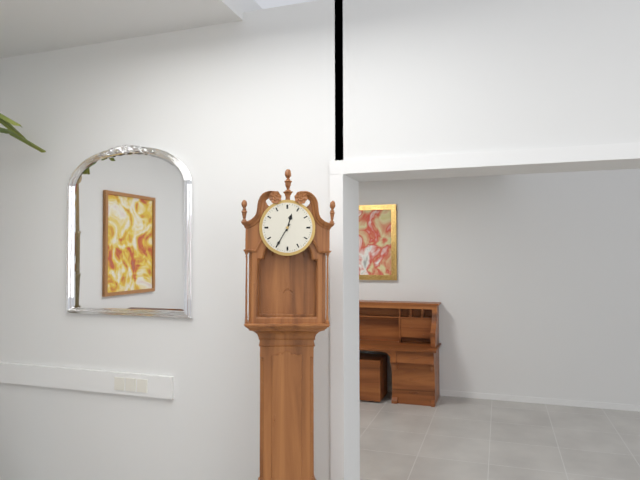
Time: h=12 m=35
